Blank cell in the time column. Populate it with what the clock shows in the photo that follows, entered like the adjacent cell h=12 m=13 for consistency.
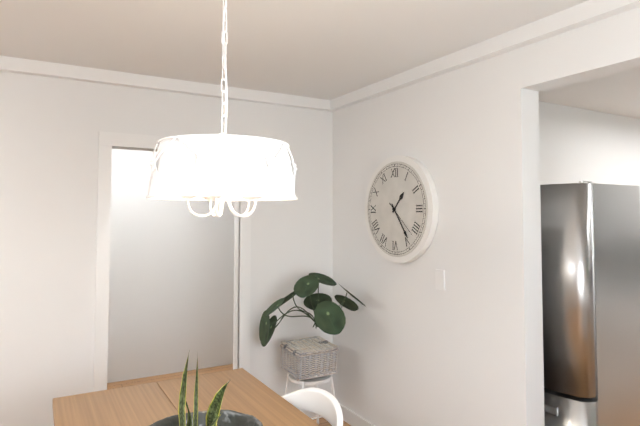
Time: h=1 m=24
